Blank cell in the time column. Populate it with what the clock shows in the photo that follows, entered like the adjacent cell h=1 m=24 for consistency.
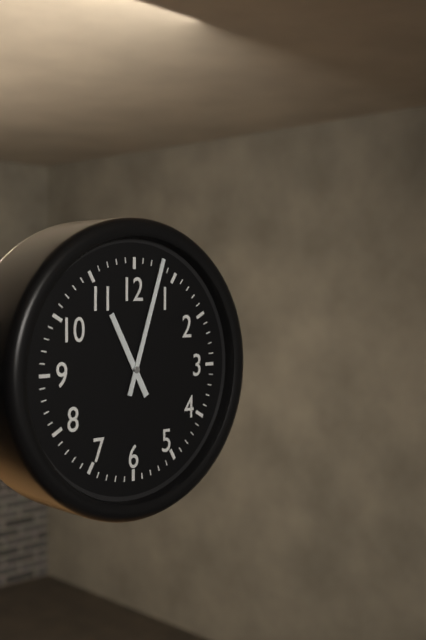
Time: h=11 m=3
